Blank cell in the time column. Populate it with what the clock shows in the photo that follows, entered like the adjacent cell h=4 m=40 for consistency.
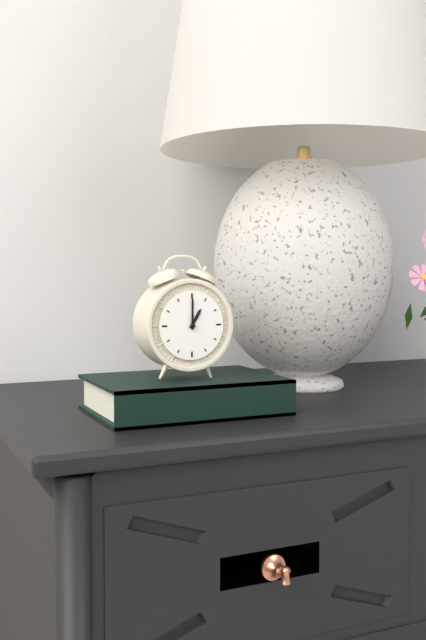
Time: h=1 m=0
